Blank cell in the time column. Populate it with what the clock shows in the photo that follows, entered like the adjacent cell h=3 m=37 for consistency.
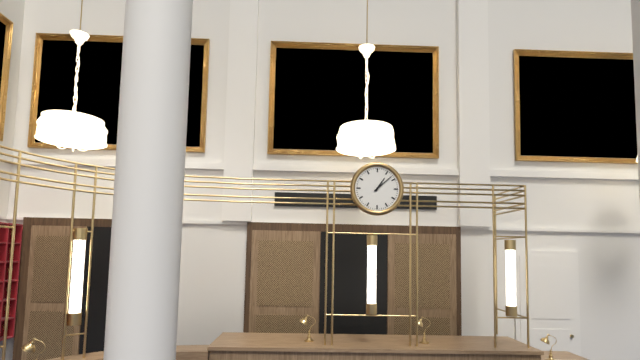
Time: h=1 m=8
